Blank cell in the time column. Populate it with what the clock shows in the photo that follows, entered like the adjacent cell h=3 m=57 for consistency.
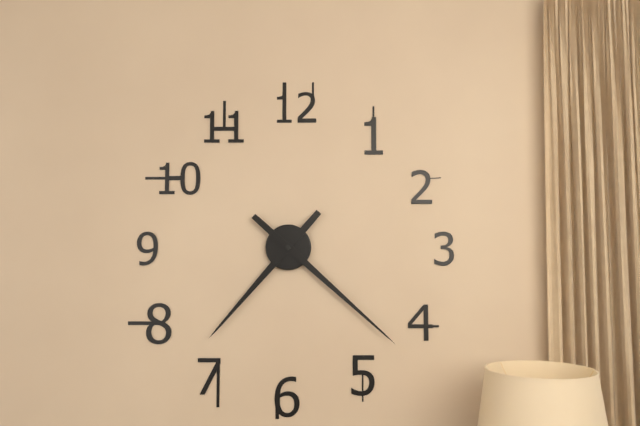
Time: h=7 m=22
